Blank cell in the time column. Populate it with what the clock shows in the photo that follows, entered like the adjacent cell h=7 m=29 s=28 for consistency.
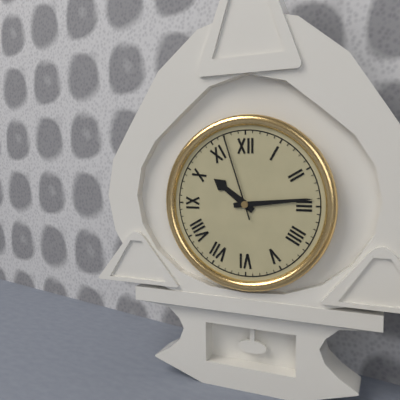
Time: h=10 m=14 s=57
